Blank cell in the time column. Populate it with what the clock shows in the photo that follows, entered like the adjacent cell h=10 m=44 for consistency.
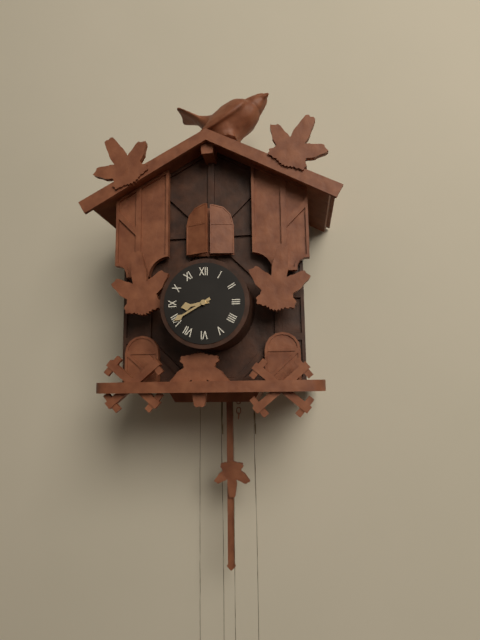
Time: h=8 m=40
